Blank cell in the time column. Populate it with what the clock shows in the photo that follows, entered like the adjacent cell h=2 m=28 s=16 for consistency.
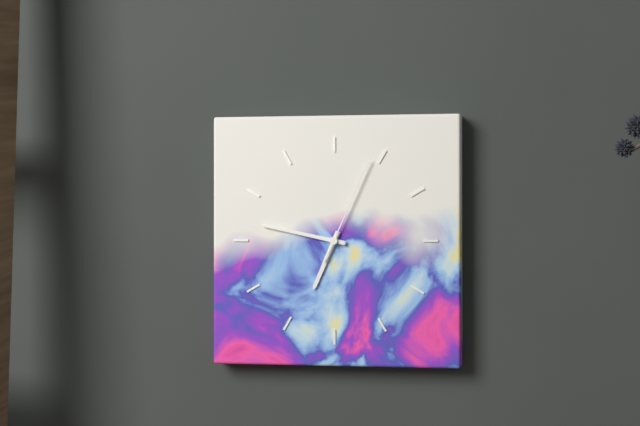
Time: h=6 m=47 s=4
